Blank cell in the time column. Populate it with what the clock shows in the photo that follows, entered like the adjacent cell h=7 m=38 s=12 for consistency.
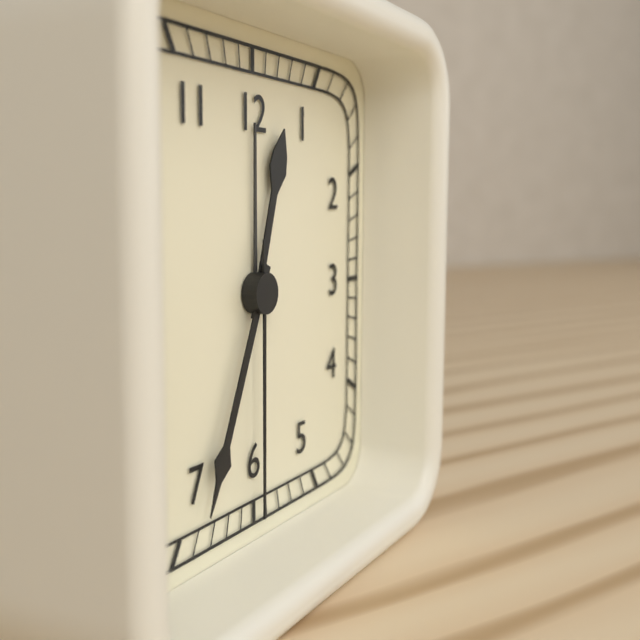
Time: h=12 m=34 s=30
